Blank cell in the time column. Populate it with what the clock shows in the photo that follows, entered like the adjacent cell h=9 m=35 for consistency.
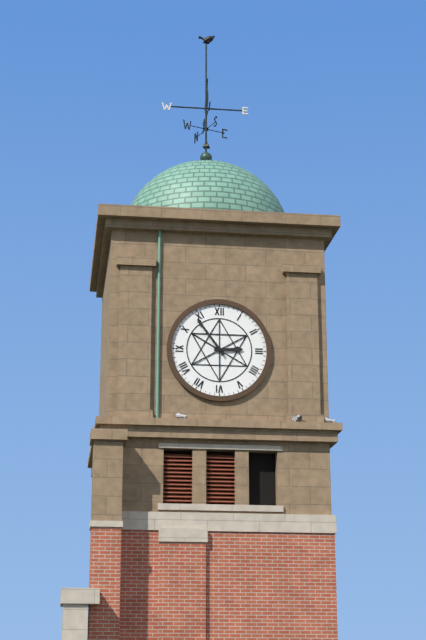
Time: h=2 m=54
